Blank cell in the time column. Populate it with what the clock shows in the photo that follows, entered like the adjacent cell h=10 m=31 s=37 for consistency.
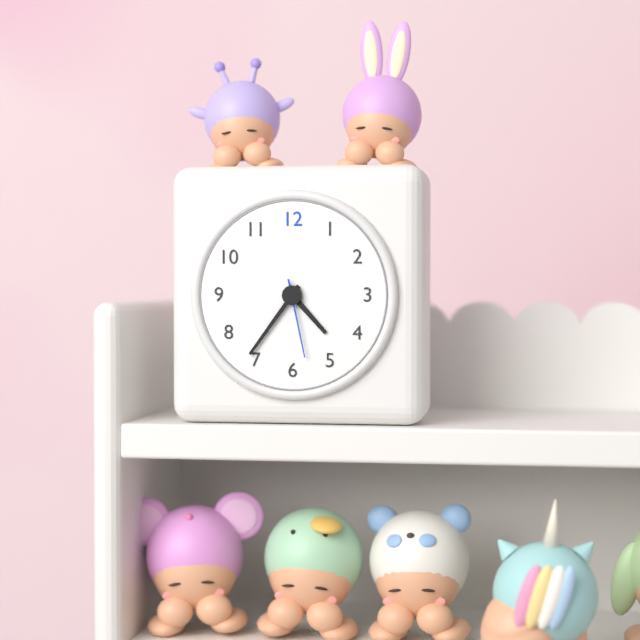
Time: h=4 m=36 s=28
